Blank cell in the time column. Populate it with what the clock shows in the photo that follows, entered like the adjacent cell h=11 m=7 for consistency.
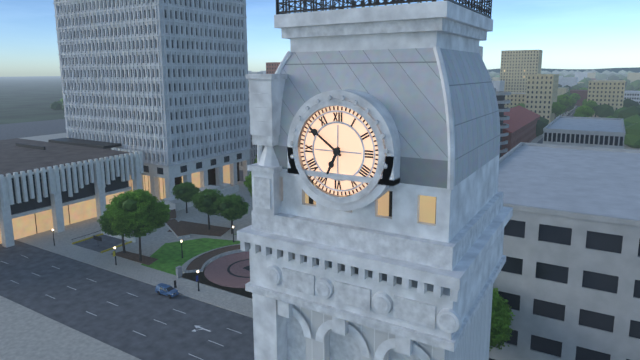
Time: h=6 m=51
